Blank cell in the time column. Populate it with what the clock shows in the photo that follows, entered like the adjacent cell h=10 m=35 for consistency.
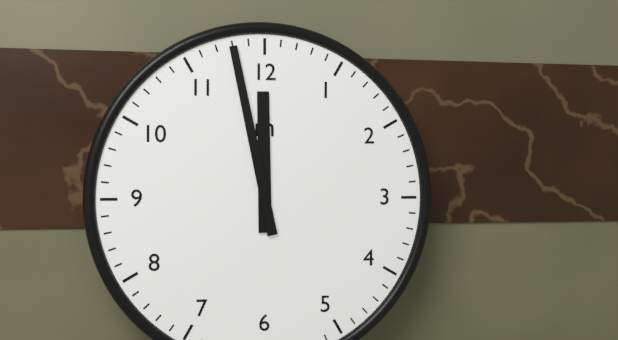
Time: h=11 m=58
